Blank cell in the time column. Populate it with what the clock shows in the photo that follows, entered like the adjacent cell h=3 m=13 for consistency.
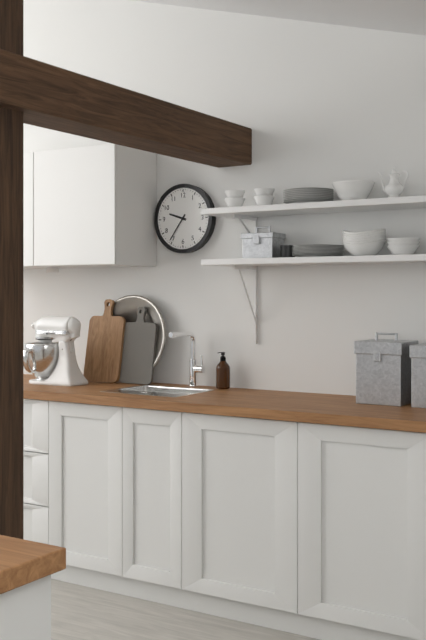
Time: h=9 m=36
